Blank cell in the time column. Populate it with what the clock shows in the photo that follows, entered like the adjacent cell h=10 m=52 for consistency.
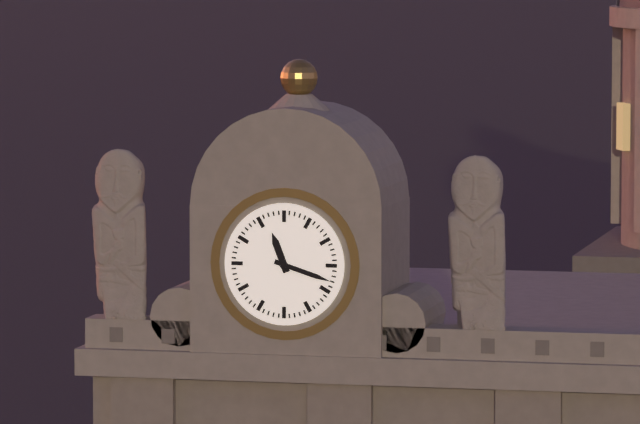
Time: h=11 m=18
